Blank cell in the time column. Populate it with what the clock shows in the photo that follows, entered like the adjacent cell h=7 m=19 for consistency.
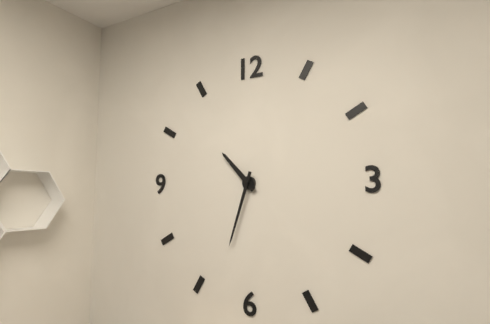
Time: h=10 m=33
